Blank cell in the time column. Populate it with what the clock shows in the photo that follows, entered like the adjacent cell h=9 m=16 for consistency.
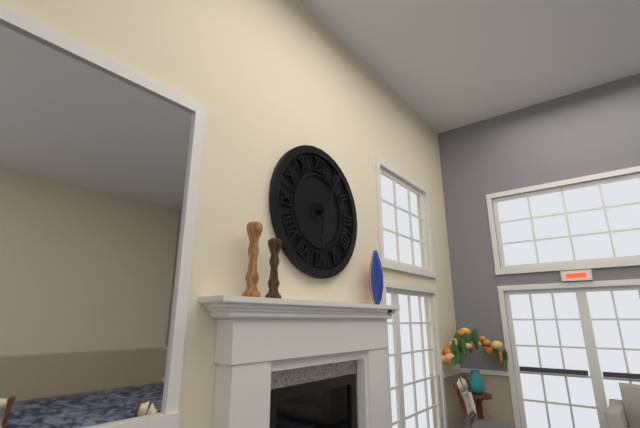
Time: h=6 m=5
